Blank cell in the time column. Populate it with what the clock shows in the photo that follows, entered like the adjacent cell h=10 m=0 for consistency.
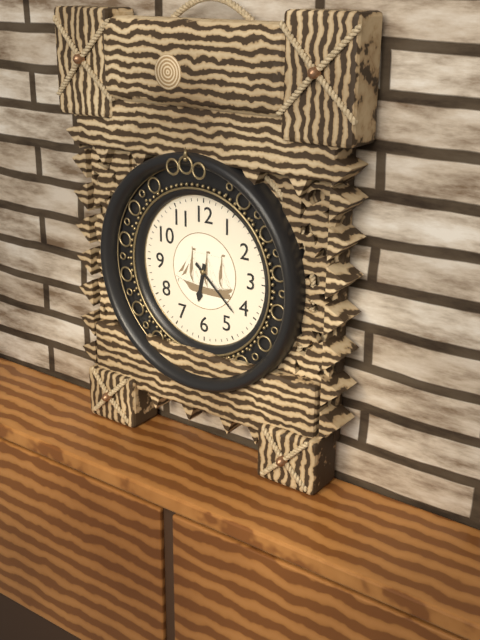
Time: h=6 m=22
